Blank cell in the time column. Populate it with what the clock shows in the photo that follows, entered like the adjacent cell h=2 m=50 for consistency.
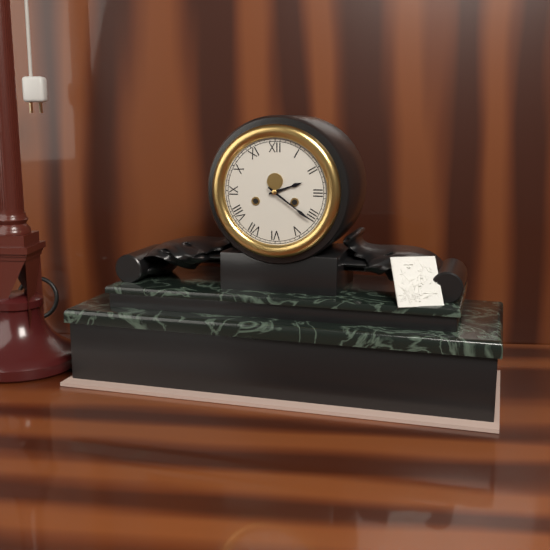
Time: h=2 m=21
